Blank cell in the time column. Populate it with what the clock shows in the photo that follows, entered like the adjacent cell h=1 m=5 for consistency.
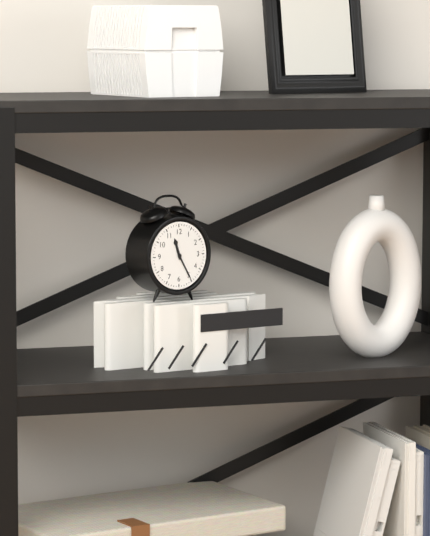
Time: h=11 m=25
